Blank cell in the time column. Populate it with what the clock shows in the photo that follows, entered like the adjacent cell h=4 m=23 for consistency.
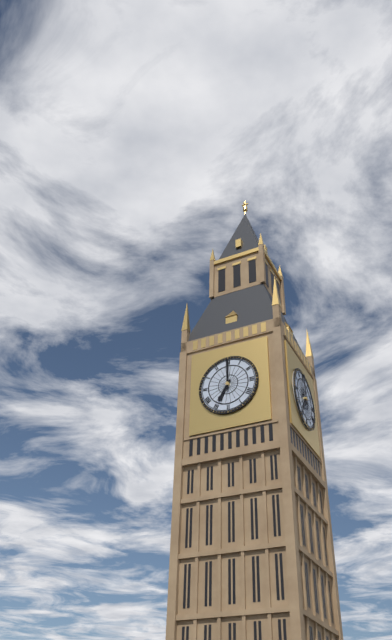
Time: h=7 m=0
